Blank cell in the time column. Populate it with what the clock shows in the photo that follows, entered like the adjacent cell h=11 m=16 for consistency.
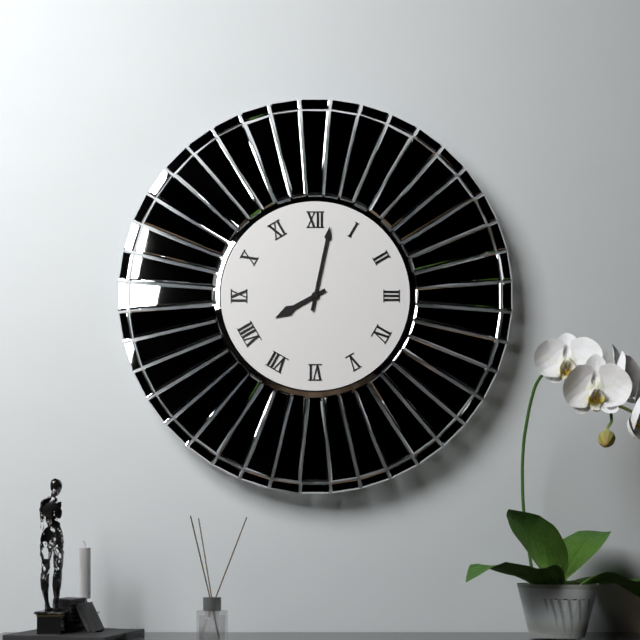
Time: h=8 m=2
